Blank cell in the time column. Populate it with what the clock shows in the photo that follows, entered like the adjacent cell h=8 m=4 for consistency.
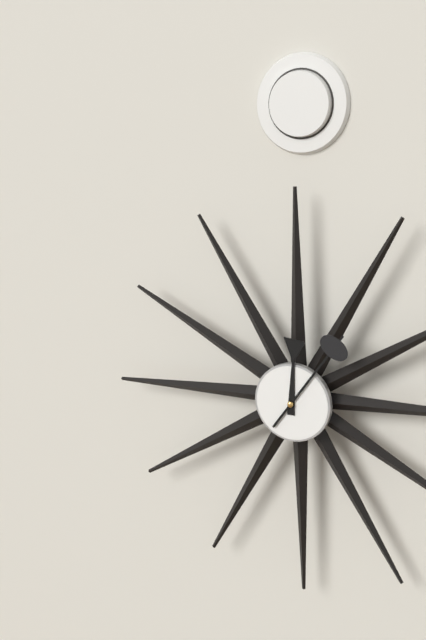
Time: h=12 m=6
